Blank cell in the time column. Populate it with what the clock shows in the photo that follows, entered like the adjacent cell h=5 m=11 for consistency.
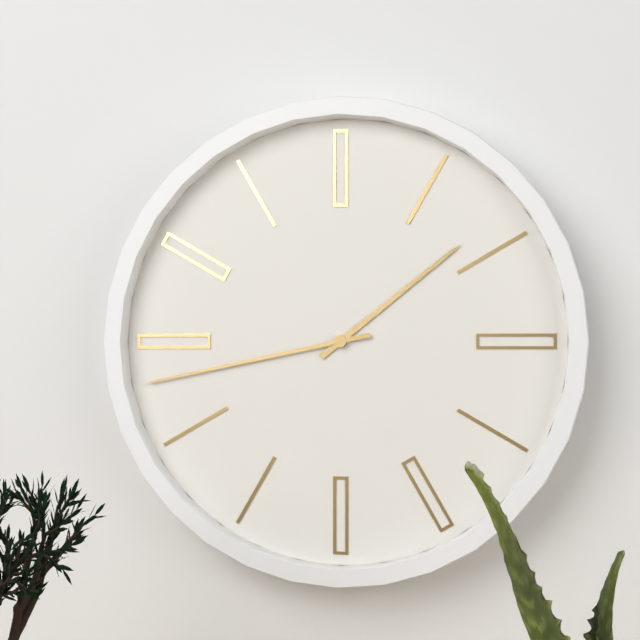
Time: h=1 m=43
